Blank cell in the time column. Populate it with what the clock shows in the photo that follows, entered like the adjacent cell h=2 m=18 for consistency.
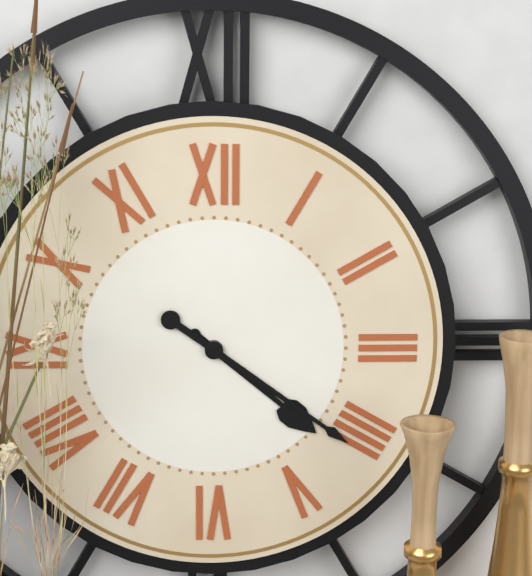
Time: h=4 m=21
